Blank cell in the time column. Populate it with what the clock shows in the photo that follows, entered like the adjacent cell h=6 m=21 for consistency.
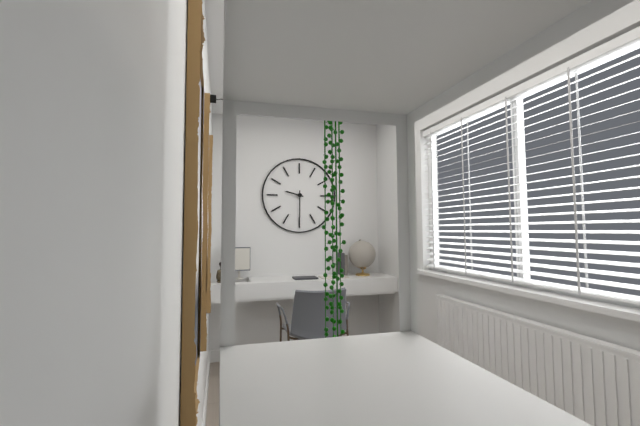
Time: h=9 m=30
